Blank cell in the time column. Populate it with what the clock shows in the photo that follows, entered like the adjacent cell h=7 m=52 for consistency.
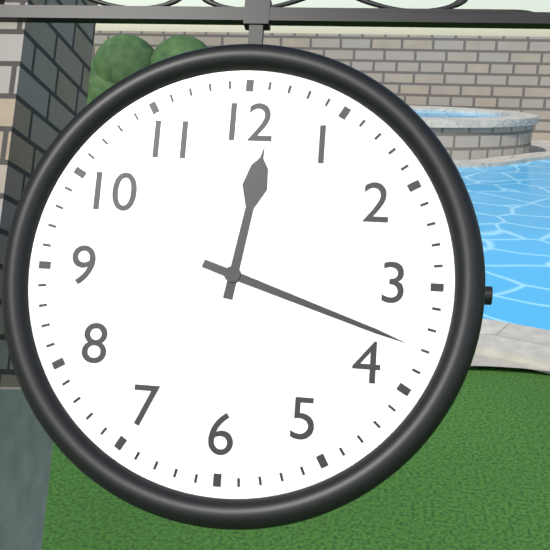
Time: h=12 m=18
